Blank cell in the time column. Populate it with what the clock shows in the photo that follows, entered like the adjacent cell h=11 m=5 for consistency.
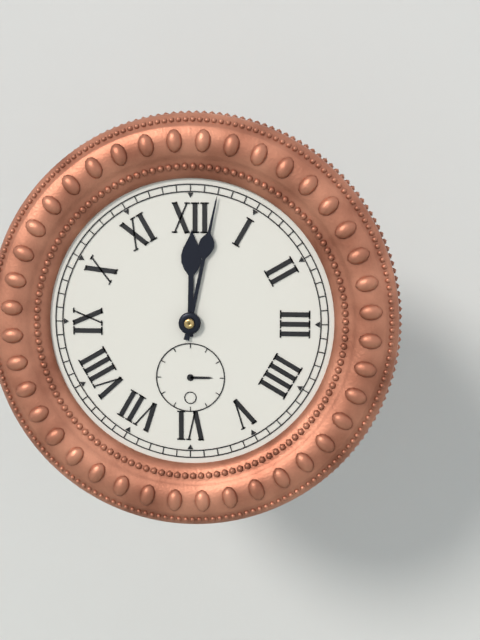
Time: h=12 m=2
